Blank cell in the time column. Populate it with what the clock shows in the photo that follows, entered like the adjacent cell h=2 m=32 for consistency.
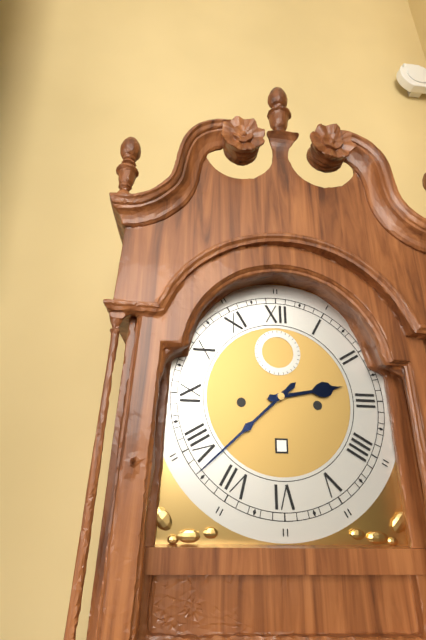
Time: h=2 m=38
